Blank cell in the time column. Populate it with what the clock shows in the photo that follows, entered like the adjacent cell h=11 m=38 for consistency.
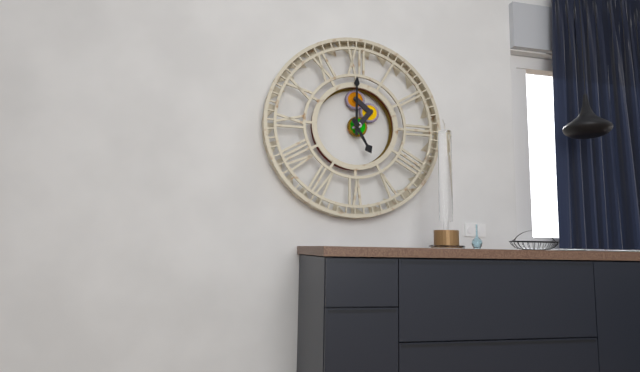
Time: h=5 m=0
